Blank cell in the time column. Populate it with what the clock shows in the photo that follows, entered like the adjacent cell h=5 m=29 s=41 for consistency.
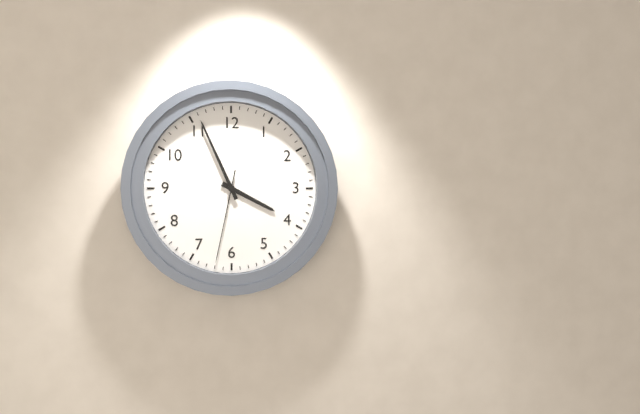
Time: h=3 m=56 s=32
